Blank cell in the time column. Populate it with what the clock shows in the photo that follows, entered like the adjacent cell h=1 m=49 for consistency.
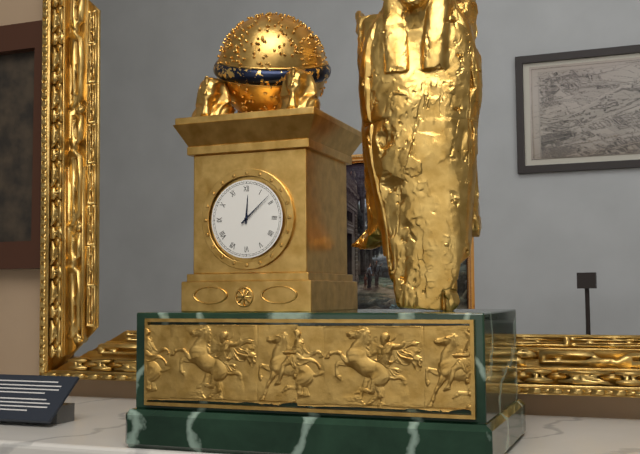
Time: h=12 m=8
